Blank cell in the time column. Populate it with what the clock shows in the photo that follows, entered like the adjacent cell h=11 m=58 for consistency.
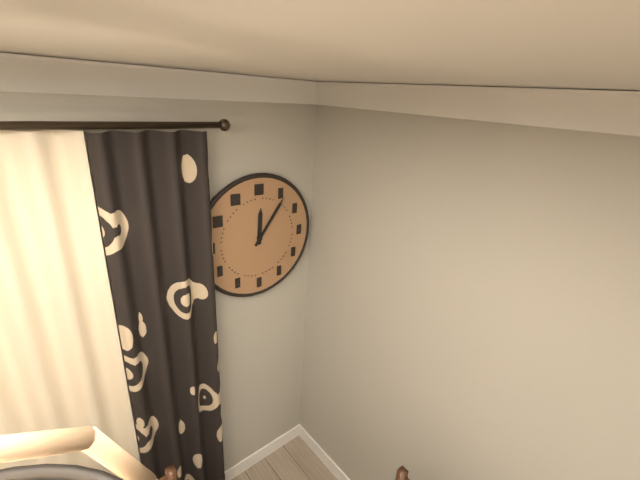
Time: h=12 m=6
